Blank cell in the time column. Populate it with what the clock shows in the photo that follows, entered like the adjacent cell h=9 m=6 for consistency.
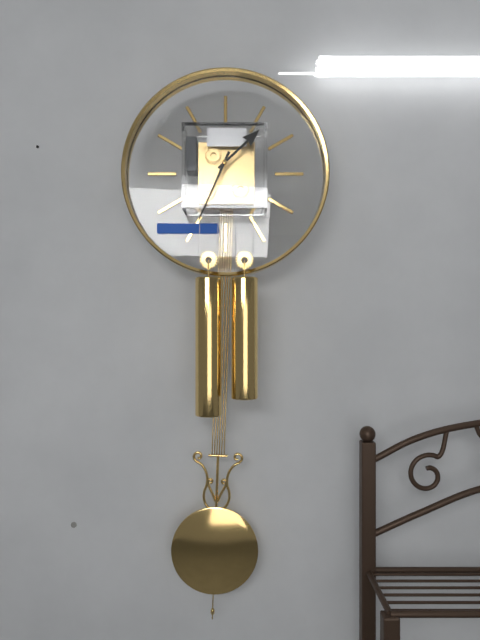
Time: h=1 m=34
